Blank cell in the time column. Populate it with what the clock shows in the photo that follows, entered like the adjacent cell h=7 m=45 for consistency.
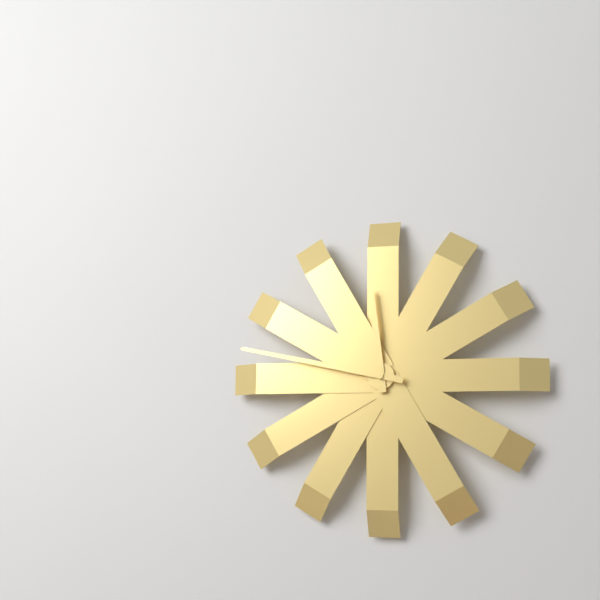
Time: h=11 m=47
